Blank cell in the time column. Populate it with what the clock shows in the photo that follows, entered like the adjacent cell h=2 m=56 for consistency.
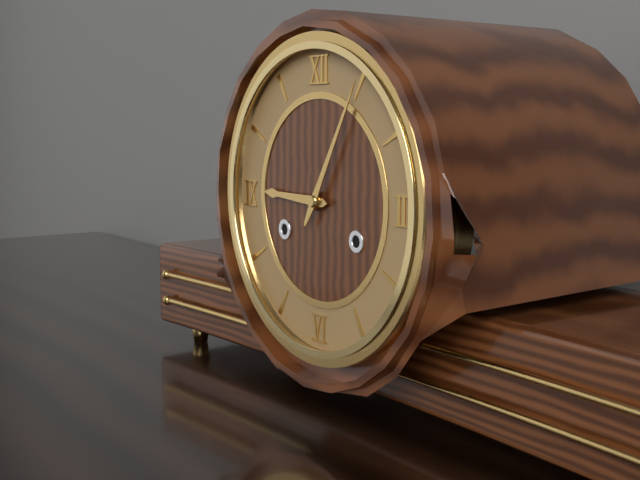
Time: h=9 m=5
